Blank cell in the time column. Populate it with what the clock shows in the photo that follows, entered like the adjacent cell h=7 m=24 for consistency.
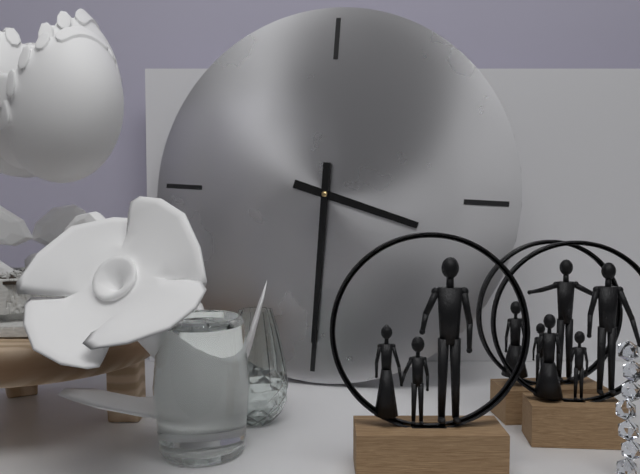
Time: h=3 m=30
